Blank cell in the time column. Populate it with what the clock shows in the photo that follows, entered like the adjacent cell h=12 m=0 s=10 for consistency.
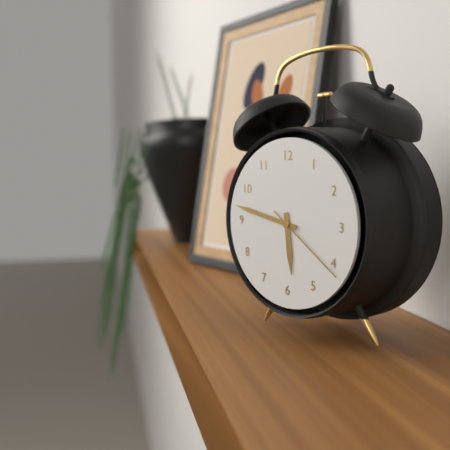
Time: h=5 m=47 s=21
